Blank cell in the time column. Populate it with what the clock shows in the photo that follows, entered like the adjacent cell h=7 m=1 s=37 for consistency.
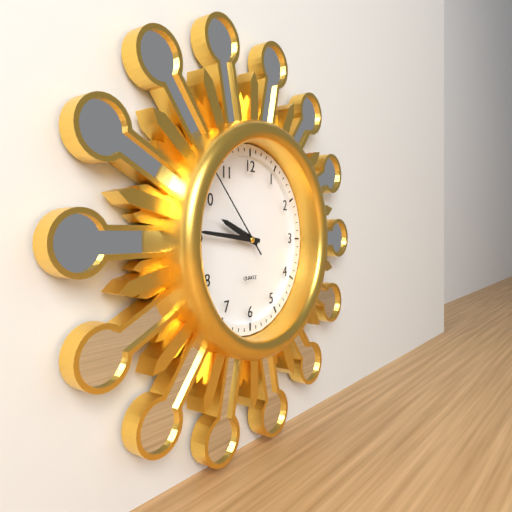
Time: h=9 m=46 s=53
